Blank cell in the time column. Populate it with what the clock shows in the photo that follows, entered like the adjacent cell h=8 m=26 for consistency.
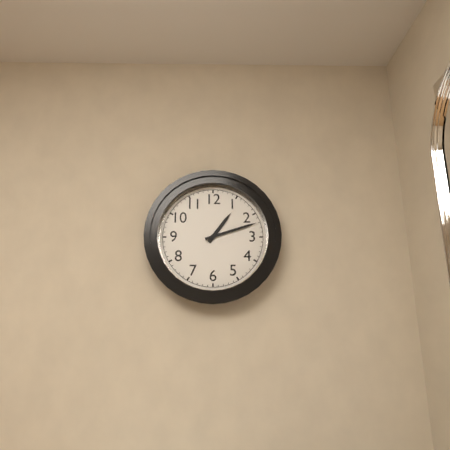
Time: h=1 m=12
